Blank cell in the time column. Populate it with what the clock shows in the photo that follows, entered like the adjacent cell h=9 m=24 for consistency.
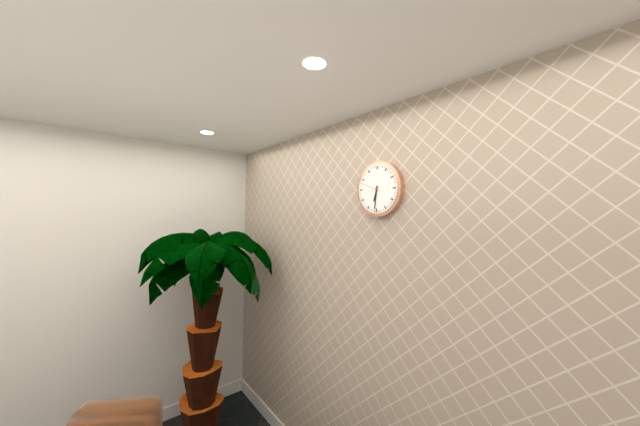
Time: h=6 m=31
